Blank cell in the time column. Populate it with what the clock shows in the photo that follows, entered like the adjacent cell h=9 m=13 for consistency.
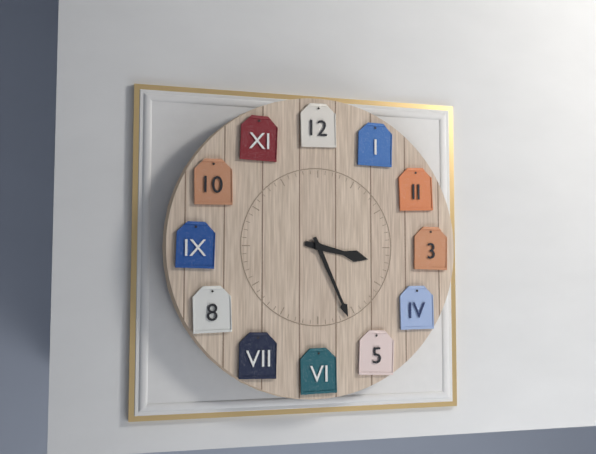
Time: h=3 m=26
